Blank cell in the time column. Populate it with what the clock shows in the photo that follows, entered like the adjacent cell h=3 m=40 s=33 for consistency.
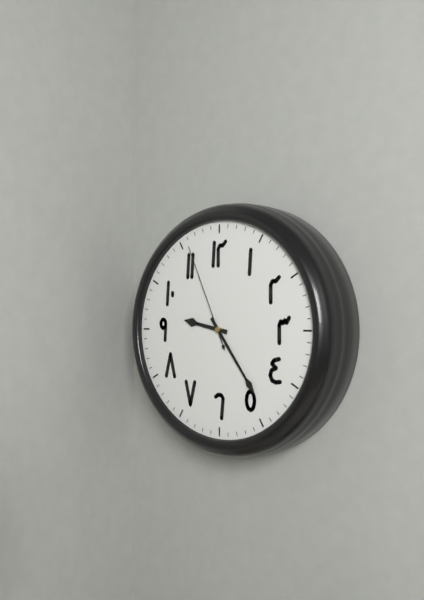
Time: h=9 m=24 s=56
